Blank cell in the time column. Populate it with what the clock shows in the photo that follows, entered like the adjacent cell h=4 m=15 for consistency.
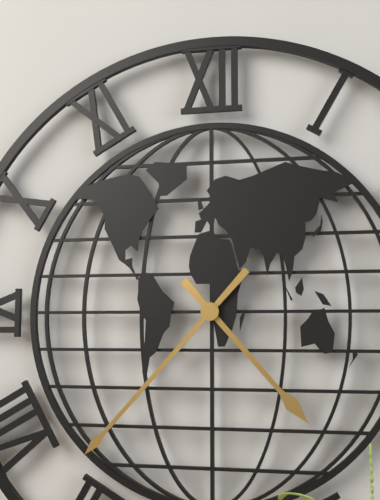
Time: h=4 m=37
